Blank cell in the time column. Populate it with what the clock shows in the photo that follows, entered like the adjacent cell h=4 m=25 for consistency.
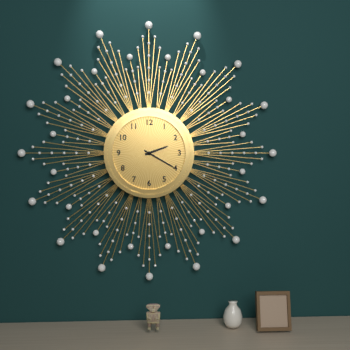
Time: h=2 m=20
